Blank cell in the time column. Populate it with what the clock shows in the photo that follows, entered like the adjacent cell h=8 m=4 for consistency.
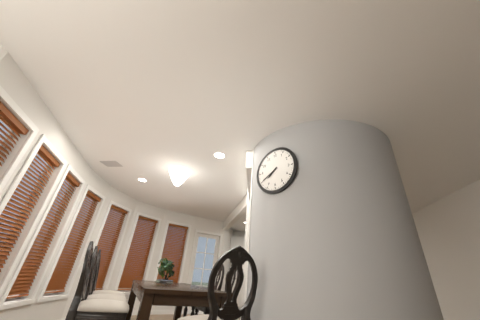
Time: h=7 m=40
